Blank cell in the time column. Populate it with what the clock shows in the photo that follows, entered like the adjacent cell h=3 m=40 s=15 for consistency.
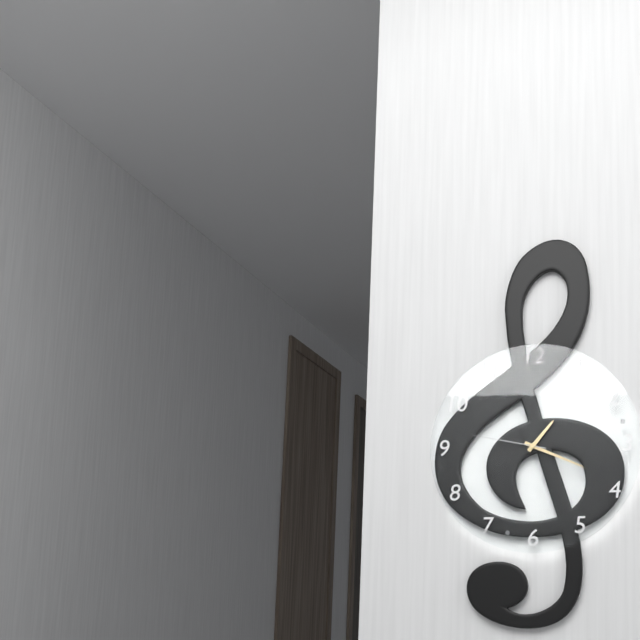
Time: h=1 m=19 s=47
